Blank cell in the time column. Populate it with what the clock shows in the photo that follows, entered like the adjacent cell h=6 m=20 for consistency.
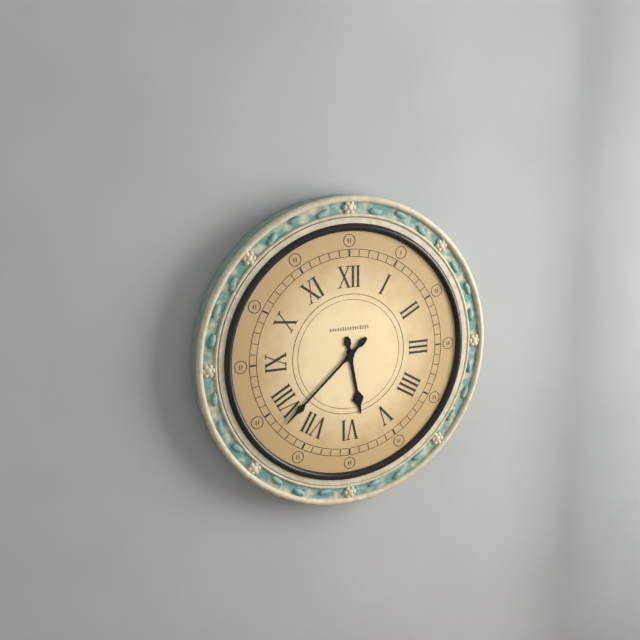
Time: h=5 m=38
